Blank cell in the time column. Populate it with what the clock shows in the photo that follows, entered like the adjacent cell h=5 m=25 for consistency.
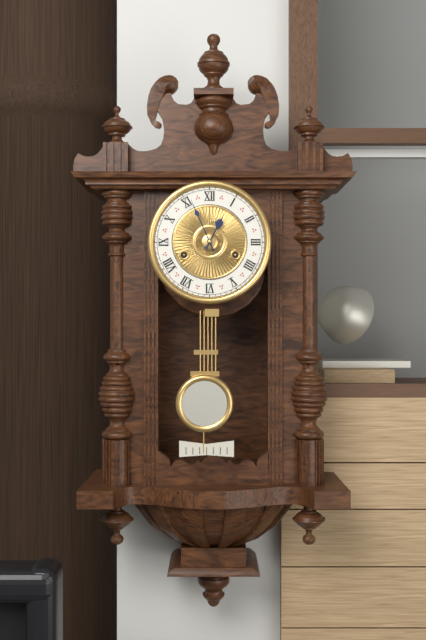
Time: h=12 m=56
